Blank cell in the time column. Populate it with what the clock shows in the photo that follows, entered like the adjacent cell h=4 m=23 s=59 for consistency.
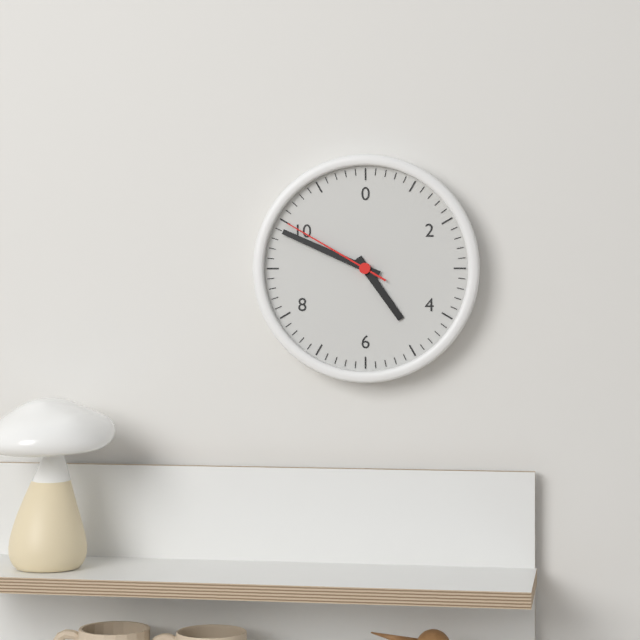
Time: h=4 m=49 s=50
